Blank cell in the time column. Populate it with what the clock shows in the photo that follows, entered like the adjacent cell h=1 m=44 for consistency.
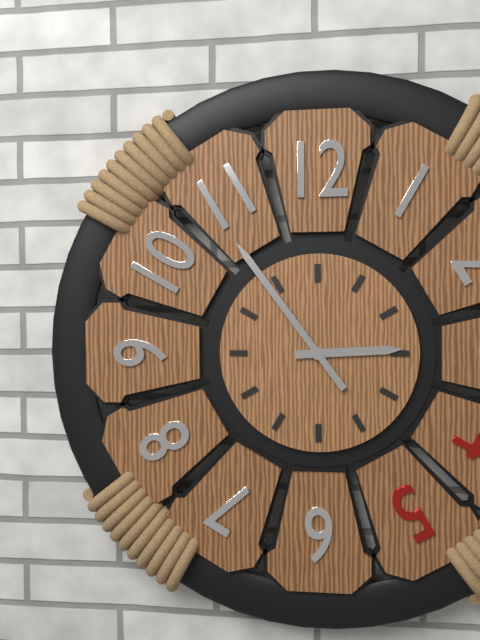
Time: h=2 m=54
